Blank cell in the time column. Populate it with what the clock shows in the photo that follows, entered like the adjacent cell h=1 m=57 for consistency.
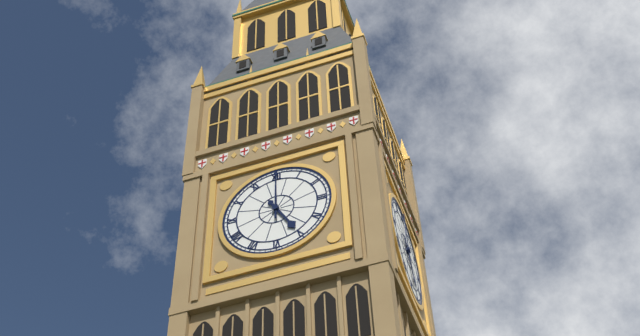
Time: h=5 m=0
